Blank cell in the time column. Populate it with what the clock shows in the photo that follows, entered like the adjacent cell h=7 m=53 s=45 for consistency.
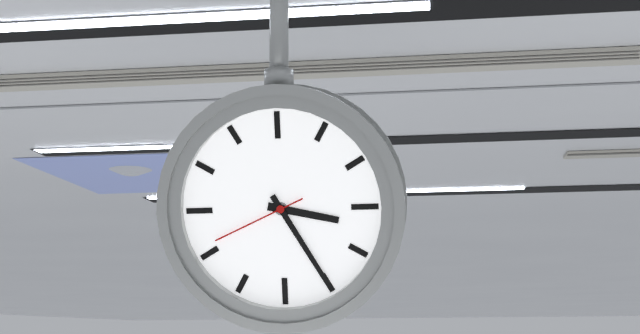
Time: h=3 m=25 s=41
